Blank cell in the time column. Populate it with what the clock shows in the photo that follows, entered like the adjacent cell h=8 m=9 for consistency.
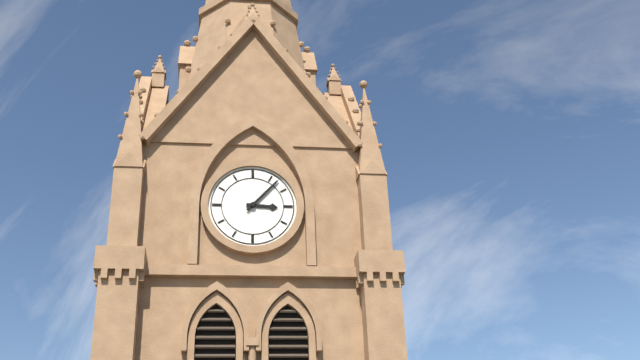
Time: h=3 m=7
